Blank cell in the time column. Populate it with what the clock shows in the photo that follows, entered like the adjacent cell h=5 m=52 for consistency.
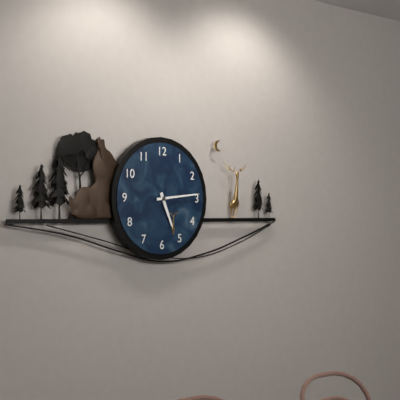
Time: h=5 m=14
